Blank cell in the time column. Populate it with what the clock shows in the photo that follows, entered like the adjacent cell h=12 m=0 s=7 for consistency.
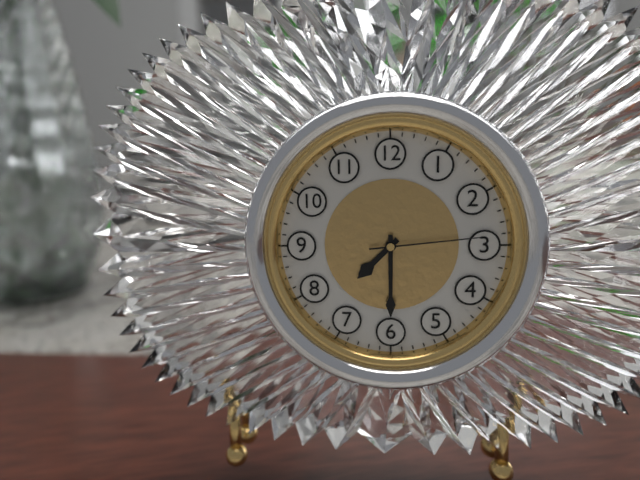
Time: h=7 m=30 s=14
